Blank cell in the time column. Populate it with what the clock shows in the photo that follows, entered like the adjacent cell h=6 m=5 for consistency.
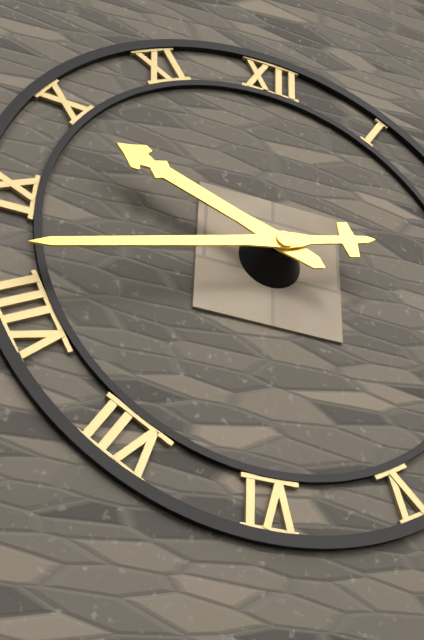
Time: h=9 m=42
